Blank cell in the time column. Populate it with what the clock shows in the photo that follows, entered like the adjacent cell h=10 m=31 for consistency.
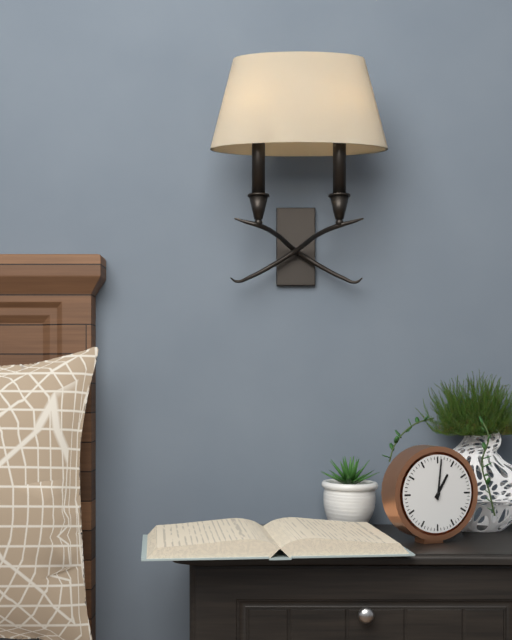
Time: h=1 m=1
